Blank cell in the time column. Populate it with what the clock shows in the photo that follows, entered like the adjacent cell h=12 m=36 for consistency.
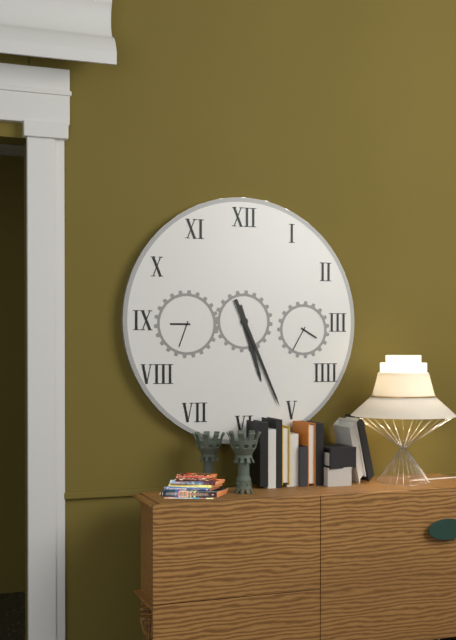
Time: h=5 m=26
